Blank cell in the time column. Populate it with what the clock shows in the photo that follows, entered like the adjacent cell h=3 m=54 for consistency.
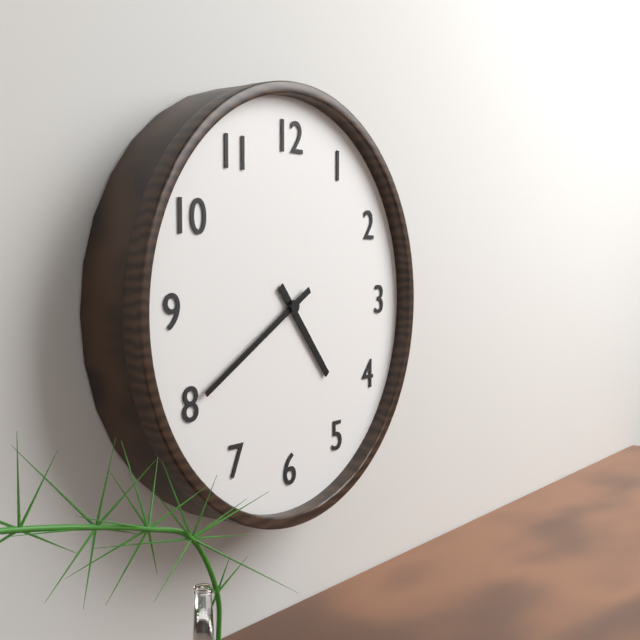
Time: h=4 m=40
